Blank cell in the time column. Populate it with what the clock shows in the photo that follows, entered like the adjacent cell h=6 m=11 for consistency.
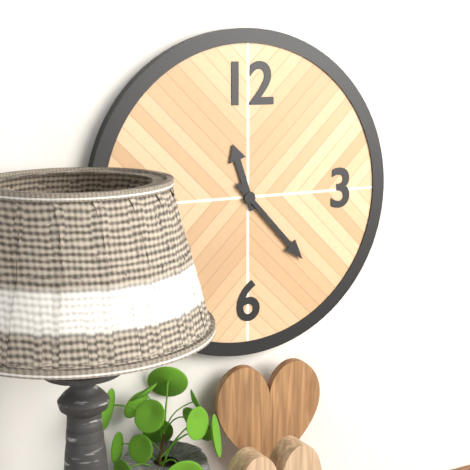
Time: h=11 m=23
